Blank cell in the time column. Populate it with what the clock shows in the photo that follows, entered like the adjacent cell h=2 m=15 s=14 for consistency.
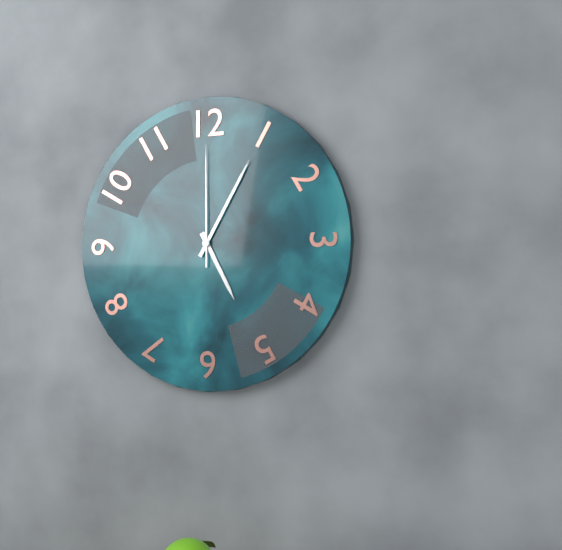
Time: h=5 m=5 s=0
